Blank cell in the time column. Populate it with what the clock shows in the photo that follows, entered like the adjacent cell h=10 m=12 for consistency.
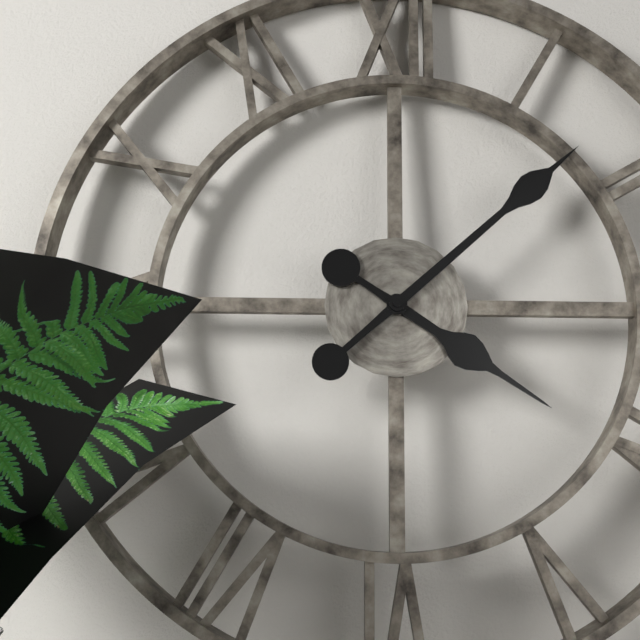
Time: h=4 m=8
